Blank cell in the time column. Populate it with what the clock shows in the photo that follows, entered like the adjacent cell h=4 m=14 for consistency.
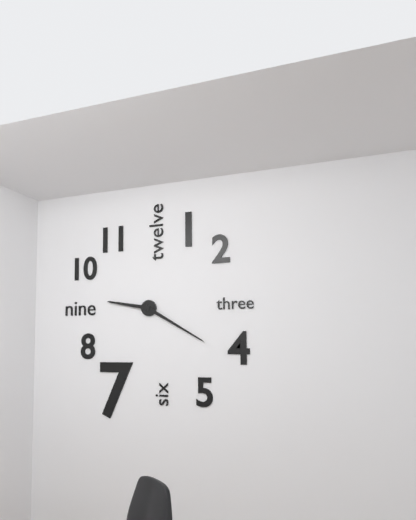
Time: h=9 m=20
